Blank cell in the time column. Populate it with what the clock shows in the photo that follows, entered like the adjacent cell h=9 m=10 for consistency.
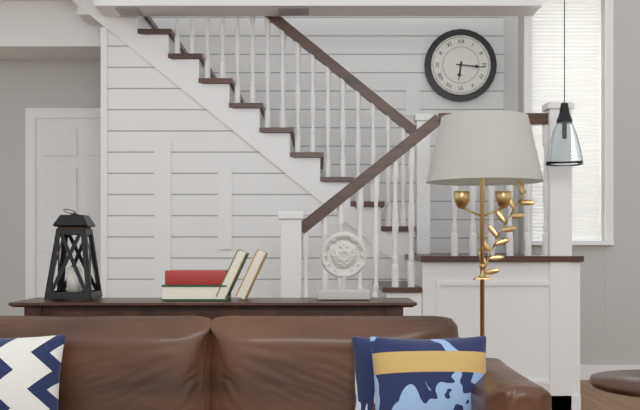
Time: h=6 m=16
